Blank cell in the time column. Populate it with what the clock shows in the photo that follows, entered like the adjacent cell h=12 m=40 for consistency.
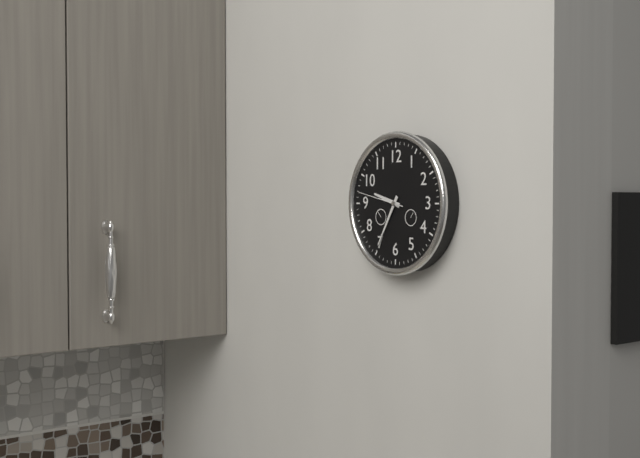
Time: h=9 m=35
